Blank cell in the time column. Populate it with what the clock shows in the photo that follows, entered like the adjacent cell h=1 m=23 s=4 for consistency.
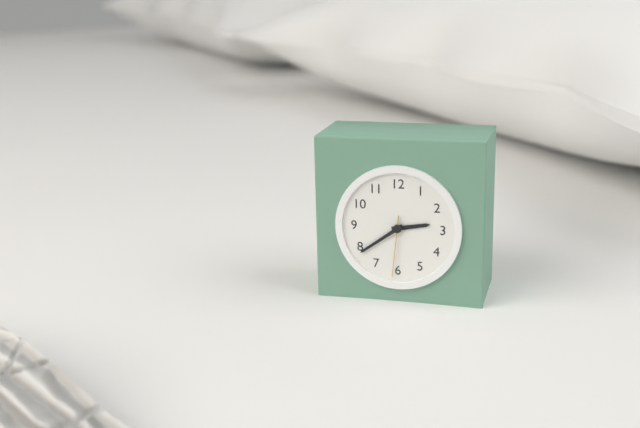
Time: h=2 m=39 s=31
